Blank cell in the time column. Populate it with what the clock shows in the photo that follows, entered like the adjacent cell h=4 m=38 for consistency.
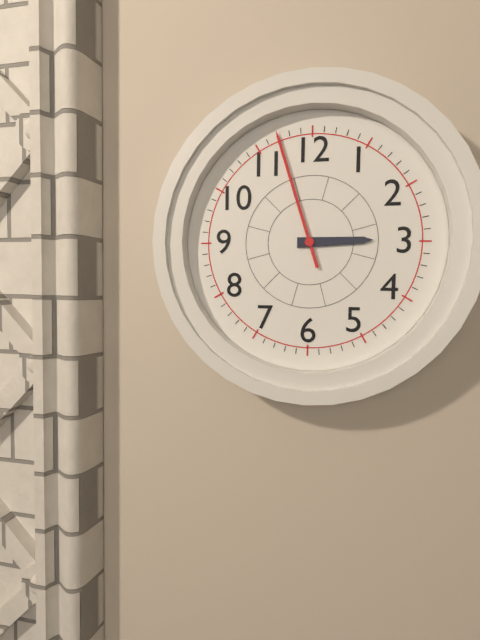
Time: h=2 m=57
